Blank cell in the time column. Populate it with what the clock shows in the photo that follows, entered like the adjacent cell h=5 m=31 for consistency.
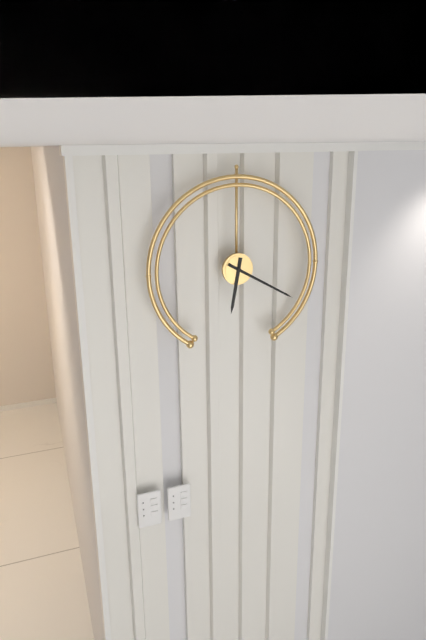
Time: h=6 m=20
